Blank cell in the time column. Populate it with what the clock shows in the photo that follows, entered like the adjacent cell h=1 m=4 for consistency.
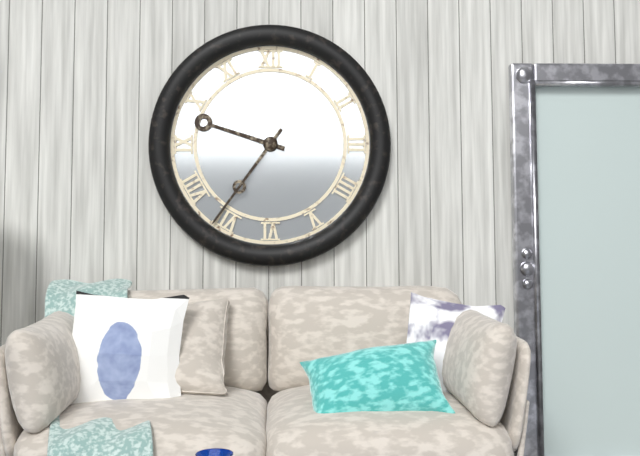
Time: h=9 m=36
